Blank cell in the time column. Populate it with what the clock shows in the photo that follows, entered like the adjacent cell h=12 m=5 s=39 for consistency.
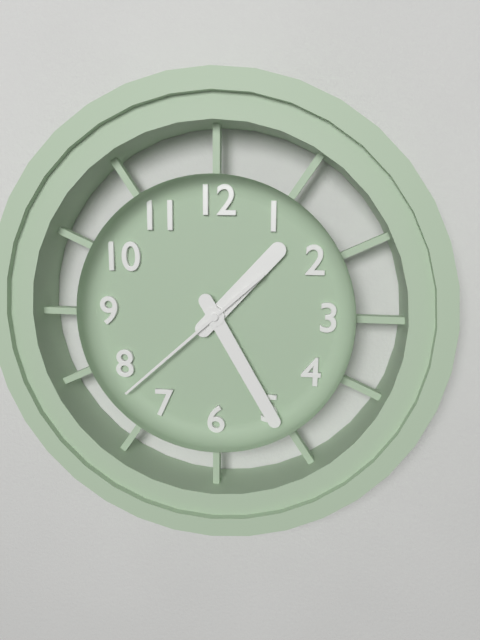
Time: h=1 m=25 s=38
